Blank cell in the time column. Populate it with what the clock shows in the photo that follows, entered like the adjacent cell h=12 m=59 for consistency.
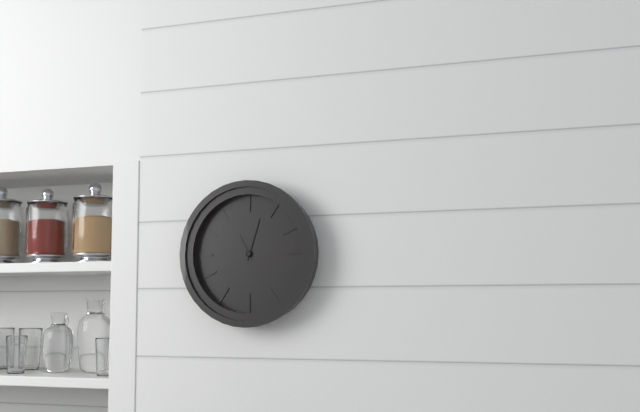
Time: h=11 m=3
